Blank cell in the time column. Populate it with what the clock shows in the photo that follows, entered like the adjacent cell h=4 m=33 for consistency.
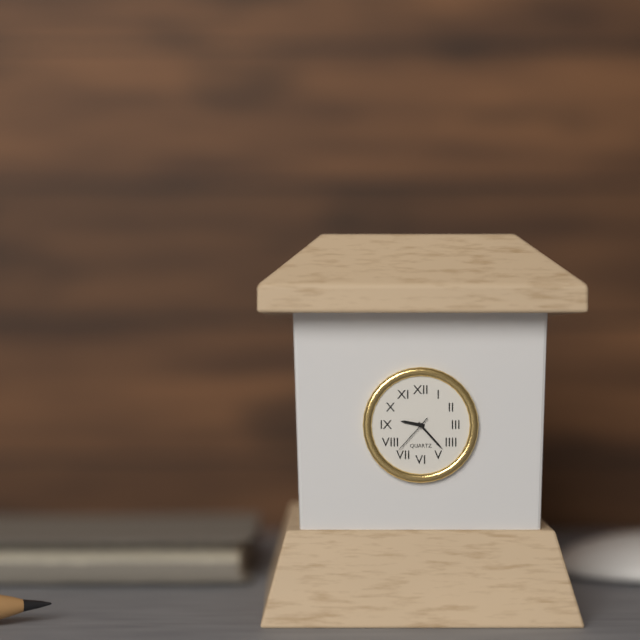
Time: h=9 m=23
